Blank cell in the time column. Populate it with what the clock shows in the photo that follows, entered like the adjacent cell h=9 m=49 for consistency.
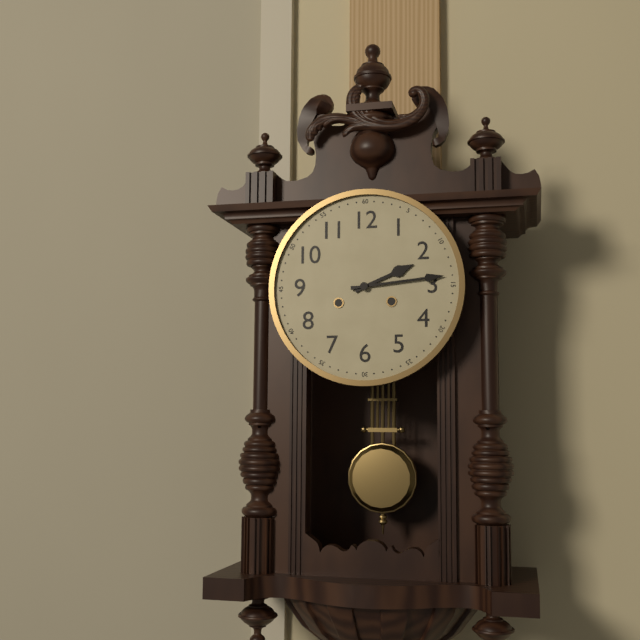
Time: h=2 m=14
